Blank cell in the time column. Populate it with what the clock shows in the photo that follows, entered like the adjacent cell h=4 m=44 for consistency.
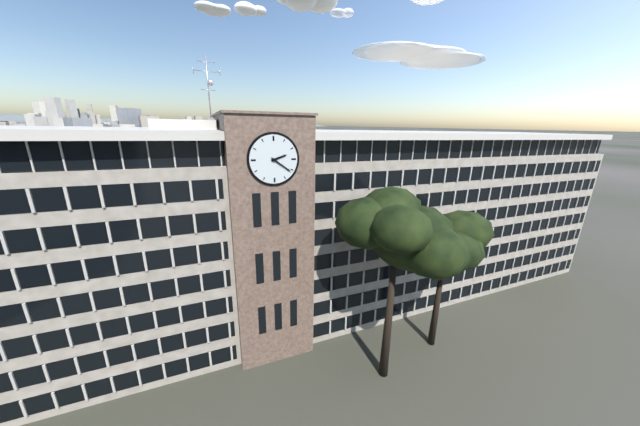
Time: h=2 m=21
